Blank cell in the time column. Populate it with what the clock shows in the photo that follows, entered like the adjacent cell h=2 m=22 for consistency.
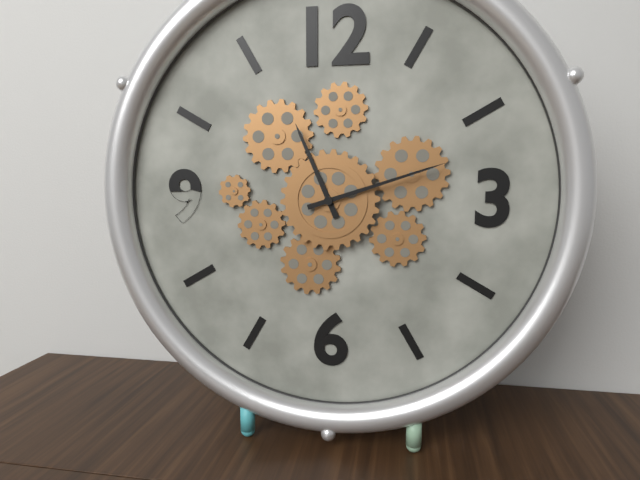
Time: h=11 m=12
